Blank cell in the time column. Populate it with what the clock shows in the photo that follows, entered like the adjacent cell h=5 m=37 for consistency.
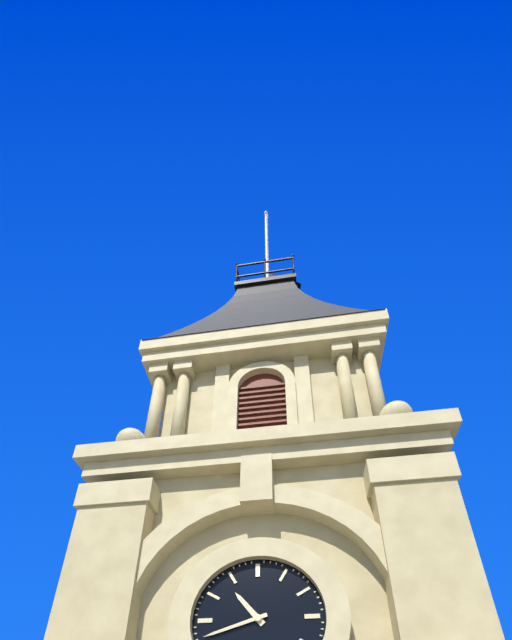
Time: h=10 m=42
